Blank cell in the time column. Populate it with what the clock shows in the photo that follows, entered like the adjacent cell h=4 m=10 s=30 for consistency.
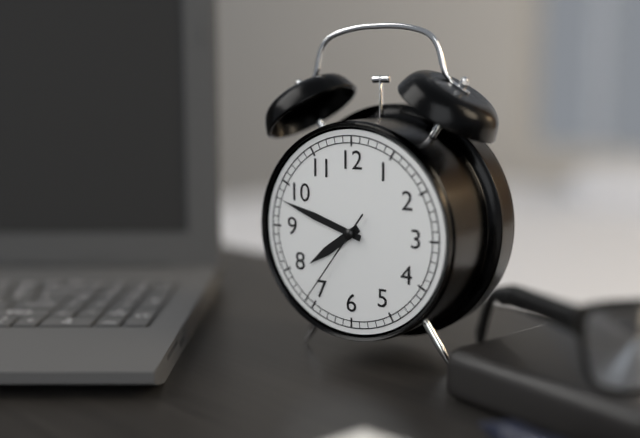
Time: h=7 m=48 s=36
